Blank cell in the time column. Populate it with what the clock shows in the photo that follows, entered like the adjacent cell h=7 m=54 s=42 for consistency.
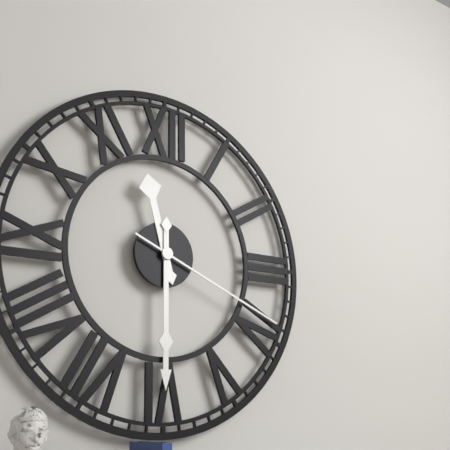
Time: h=11 m=30 s=19
